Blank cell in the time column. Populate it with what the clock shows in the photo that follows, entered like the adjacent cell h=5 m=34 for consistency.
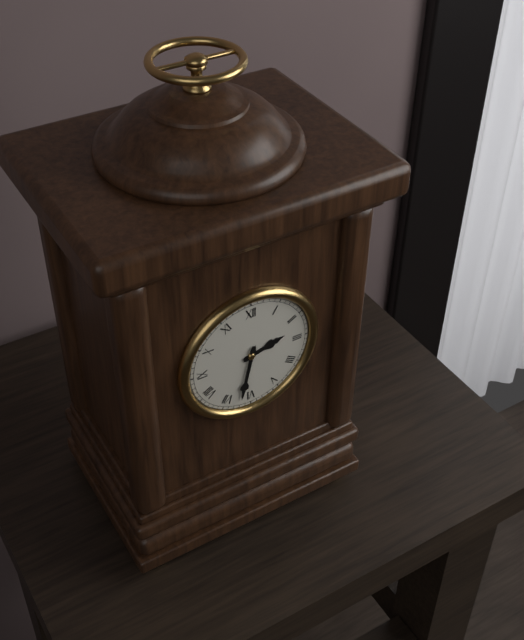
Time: h=2 m=32
